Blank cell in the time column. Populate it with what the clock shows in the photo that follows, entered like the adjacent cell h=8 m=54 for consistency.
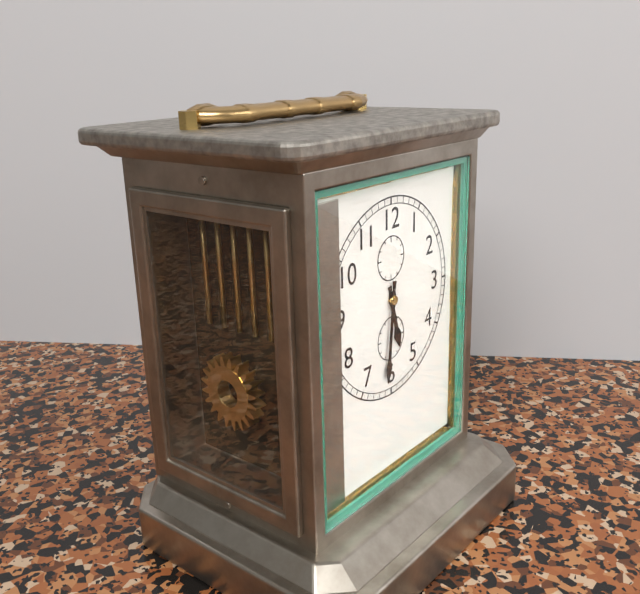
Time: h=5 m=31
